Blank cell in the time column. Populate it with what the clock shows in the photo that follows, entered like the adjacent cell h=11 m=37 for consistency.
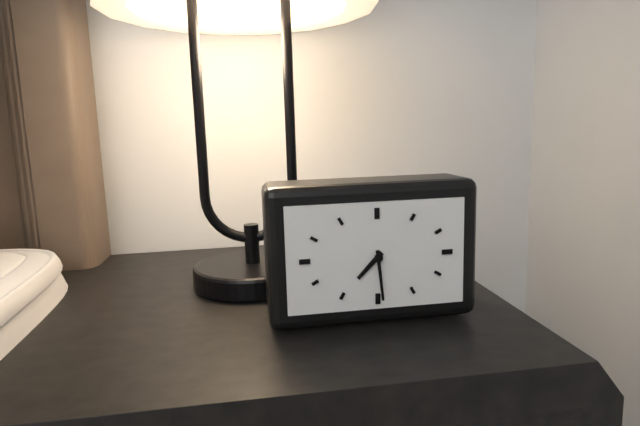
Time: h=7 m=29
